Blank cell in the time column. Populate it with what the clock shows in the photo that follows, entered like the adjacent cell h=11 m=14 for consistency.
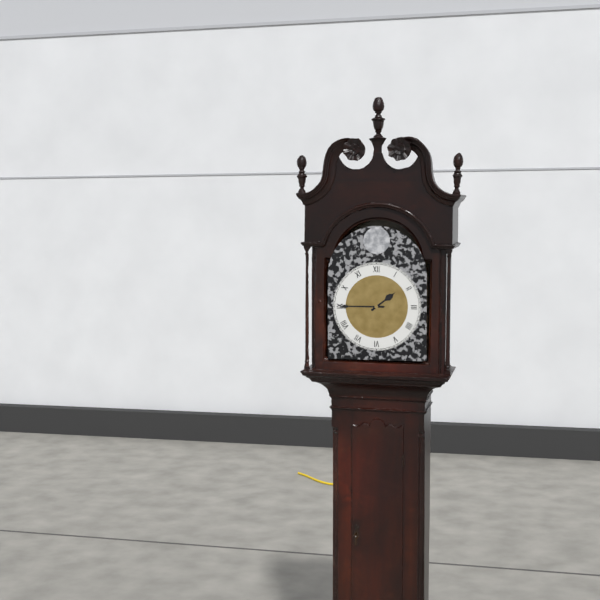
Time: h=1 m=45
